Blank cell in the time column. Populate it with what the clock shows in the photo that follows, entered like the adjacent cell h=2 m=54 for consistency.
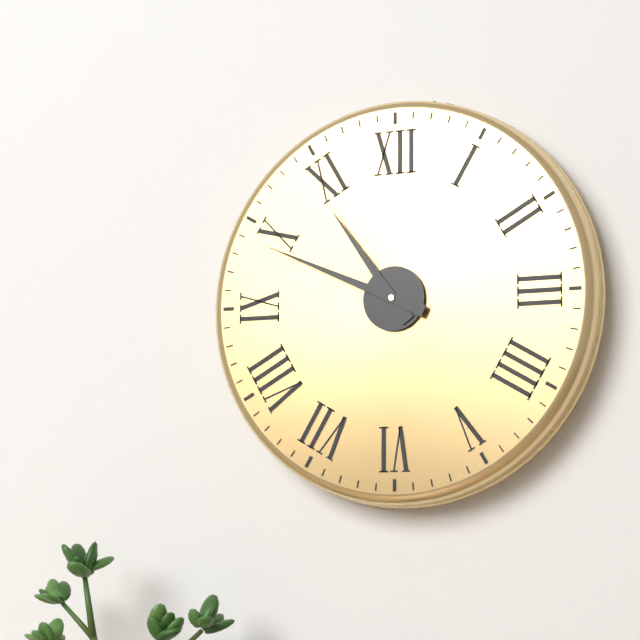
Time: h=10 m=49
